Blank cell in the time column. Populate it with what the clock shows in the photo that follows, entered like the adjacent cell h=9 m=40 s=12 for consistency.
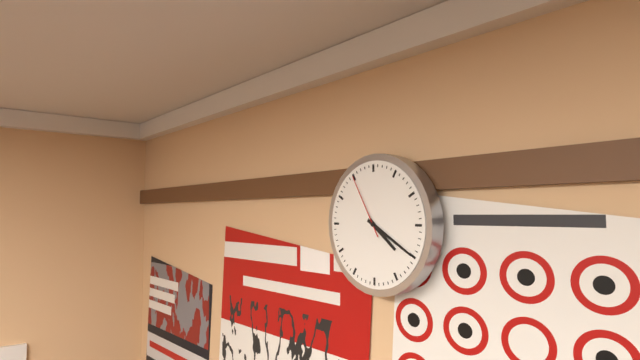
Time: h=4 m=20 s=55
